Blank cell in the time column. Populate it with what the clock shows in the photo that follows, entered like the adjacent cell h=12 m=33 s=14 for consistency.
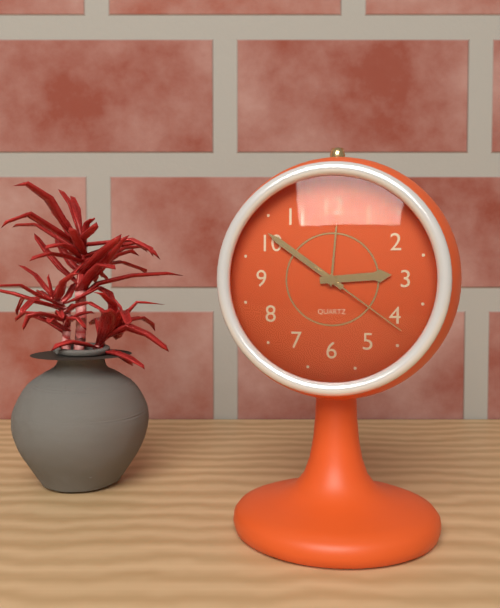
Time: h=2 m=51 s=21
